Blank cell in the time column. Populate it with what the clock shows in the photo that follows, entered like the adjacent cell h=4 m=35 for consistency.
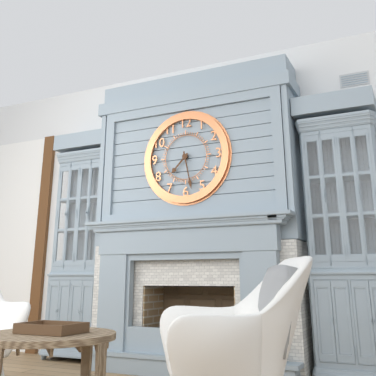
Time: h=7 m=28
